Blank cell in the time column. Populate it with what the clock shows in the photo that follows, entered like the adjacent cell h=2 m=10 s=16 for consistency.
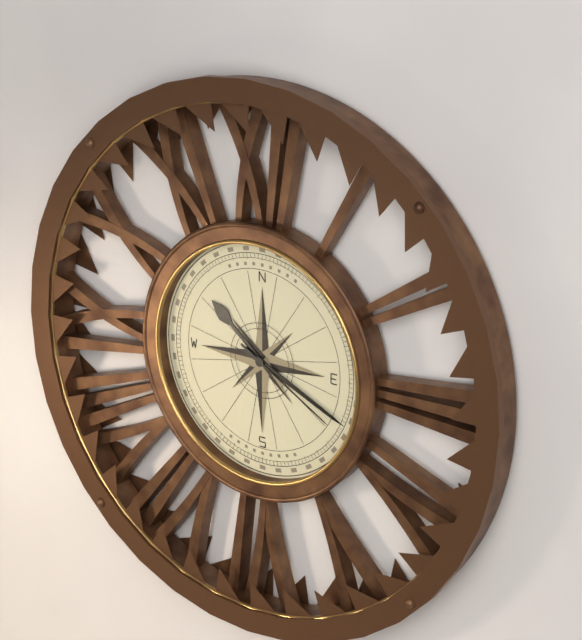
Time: h=10 m=19 s=20
